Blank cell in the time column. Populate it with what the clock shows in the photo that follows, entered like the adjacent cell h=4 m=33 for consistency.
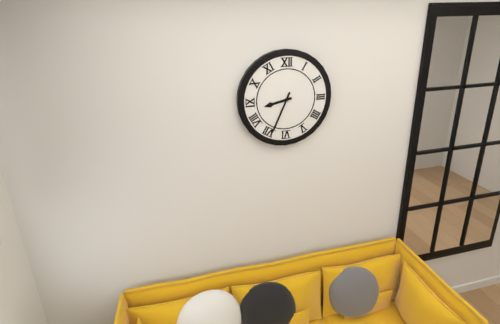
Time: h=8 m=34
